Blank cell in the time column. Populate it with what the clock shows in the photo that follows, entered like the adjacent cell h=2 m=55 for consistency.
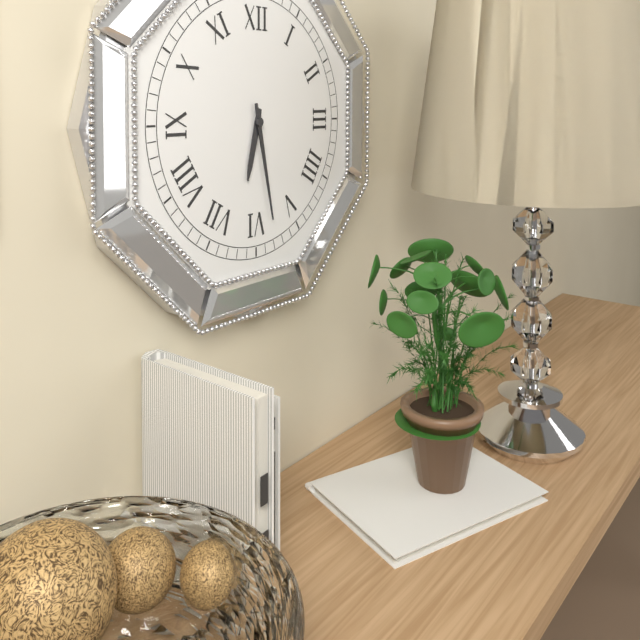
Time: h=6 m=28
